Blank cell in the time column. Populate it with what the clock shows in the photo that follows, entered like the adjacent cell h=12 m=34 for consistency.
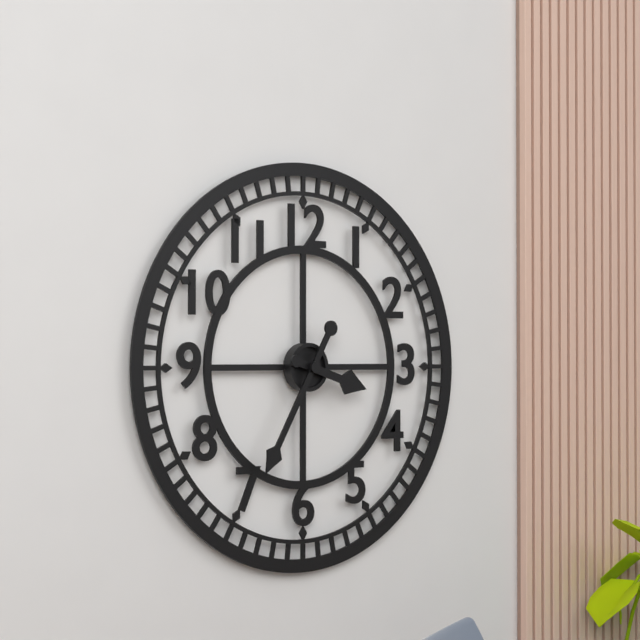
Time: h=3 m=35
